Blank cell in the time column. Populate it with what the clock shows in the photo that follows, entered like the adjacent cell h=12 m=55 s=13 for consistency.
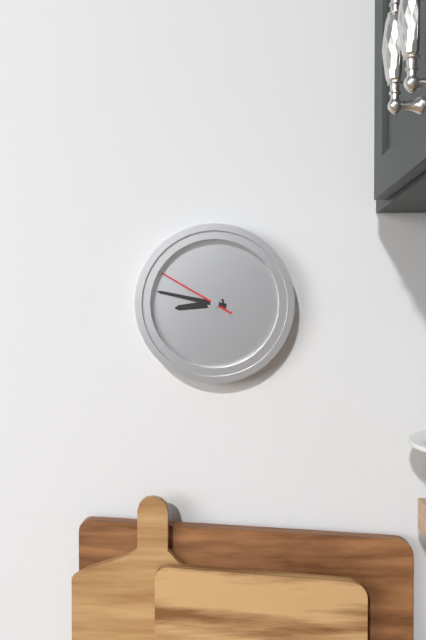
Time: h=8 m=47 s=50
